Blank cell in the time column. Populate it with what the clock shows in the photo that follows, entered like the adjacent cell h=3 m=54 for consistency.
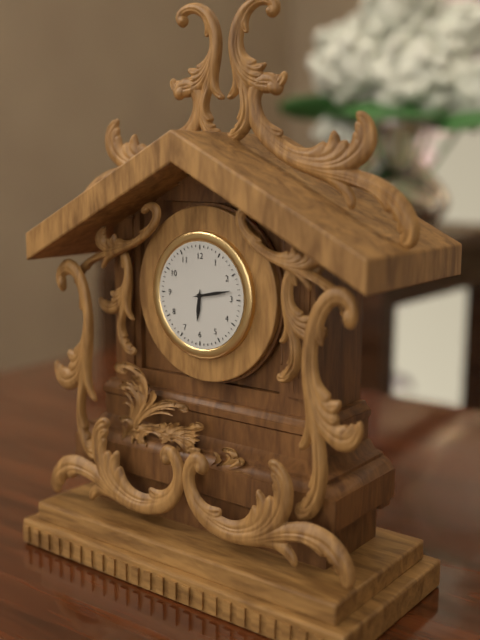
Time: h=6 m=13
